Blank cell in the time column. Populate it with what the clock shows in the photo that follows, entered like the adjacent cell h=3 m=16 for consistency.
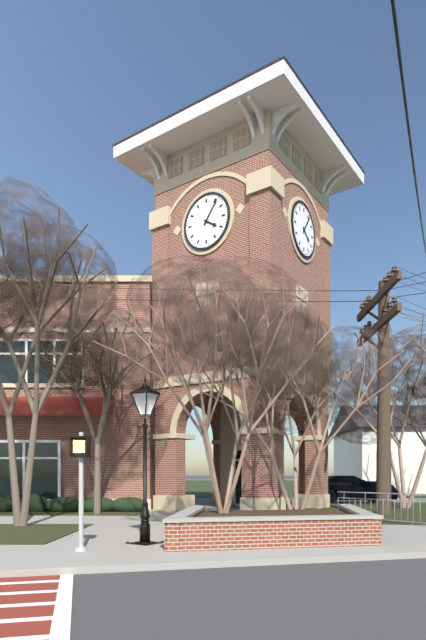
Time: h=4 m=6
